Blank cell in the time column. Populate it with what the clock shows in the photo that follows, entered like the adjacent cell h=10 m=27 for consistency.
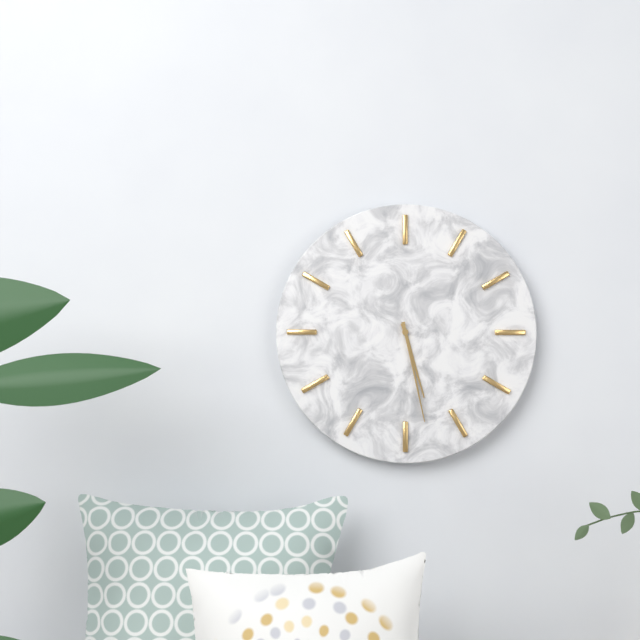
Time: h=5 m=28
